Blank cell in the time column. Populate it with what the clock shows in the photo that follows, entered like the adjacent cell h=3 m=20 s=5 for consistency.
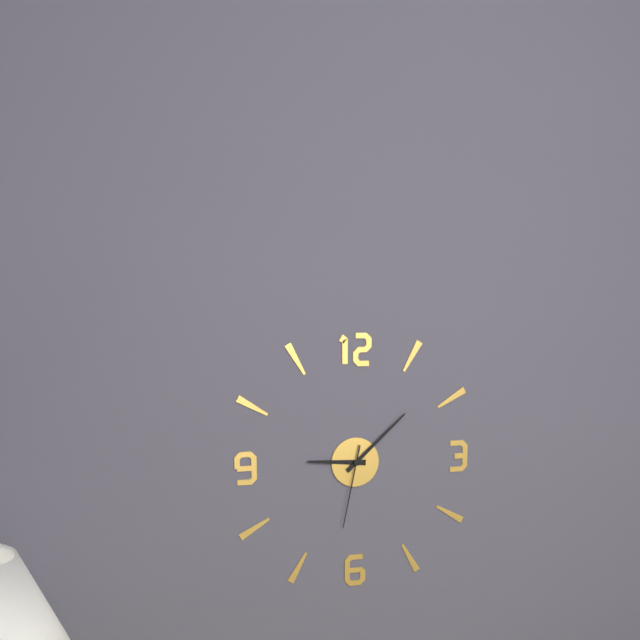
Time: h=9 m=8 s=32
